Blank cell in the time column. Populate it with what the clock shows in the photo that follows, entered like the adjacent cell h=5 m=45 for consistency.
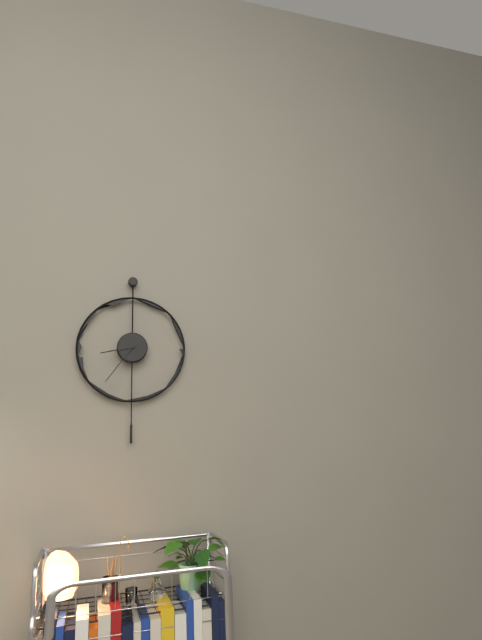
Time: h=8 m=36
